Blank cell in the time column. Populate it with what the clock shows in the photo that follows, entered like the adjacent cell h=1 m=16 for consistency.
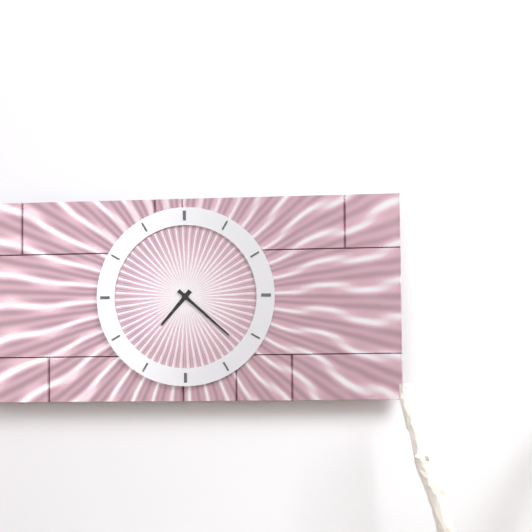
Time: h=7 m=22
